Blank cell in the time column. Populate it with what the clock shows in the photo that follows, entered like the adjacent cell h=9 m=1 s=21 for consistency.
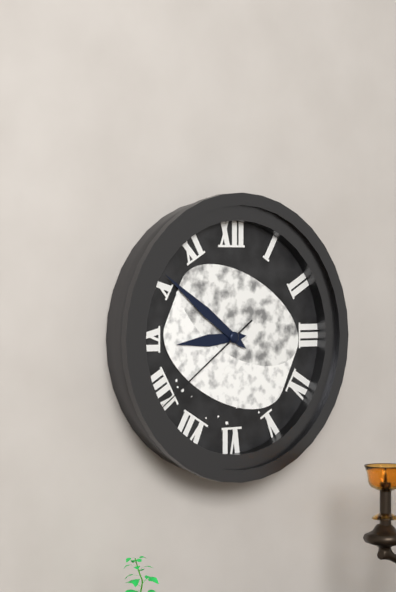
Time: h=8 m=51 s=39
